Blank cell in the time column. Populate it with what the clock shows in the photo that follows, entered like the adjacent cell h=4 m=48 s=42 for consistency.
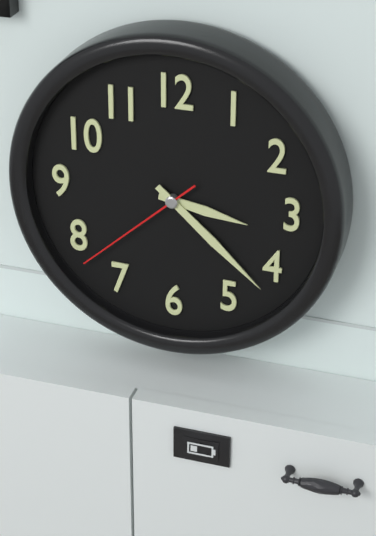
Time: h=3 m=22 s=38
